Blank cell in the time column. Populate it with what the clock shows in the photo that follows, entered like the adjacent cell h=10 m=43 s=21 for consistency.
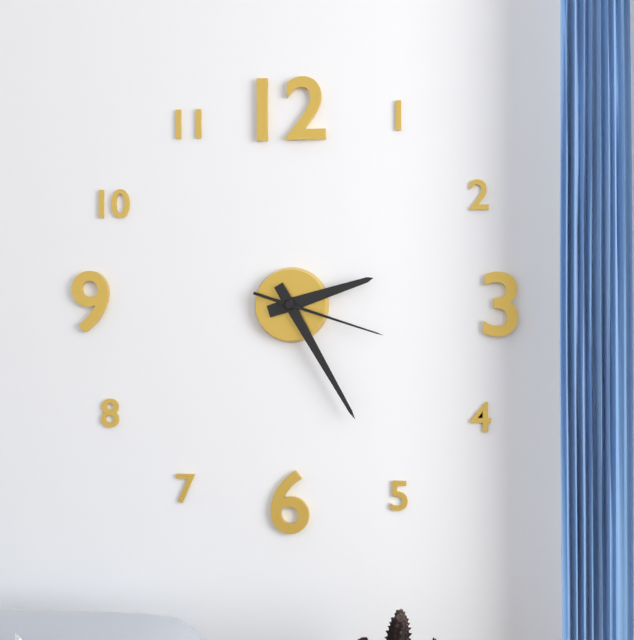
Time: h=2 m=25 s=18
